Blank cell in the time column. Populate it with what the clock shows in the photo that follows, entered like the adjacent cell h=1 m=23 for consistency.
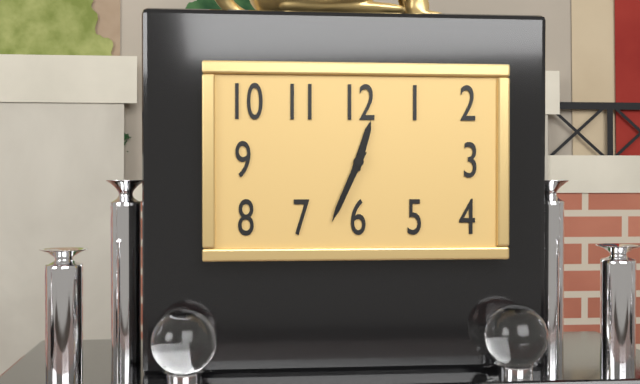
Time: h=12 m=34
